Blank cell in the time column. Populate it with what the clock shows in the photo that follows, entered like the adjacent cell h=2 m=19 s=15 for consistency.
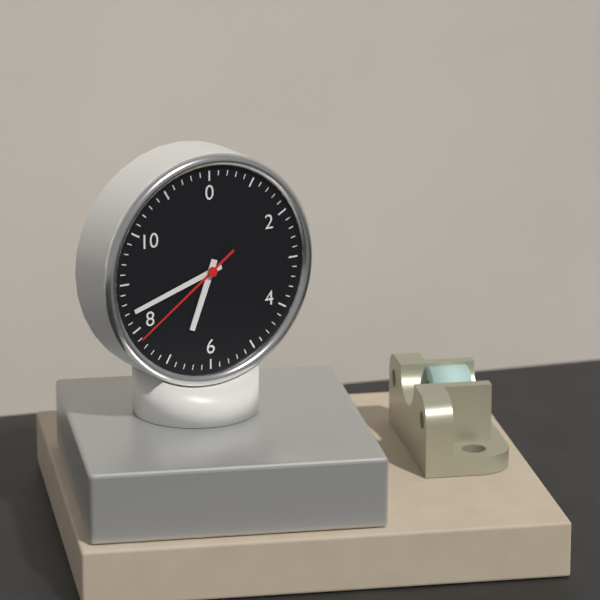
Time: h=6 m=42 s=39
